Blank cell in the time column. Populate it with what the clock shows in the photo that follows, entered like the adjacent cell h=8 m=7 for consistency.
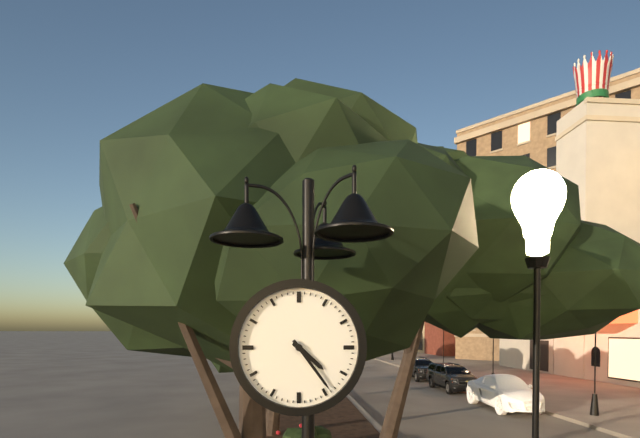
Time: h=4 m=24
